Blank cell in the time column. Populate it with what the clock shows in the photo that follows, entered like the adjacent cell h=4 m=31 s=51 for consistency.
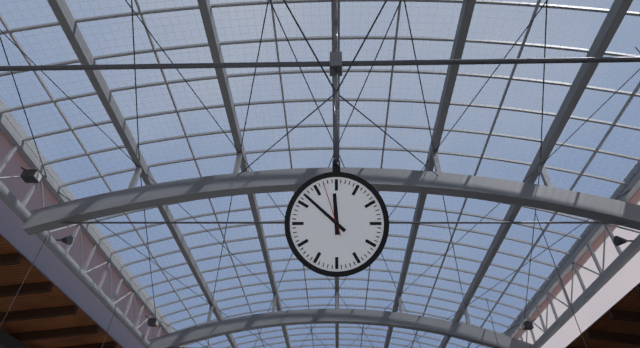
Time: h=11 m=52 s=57
